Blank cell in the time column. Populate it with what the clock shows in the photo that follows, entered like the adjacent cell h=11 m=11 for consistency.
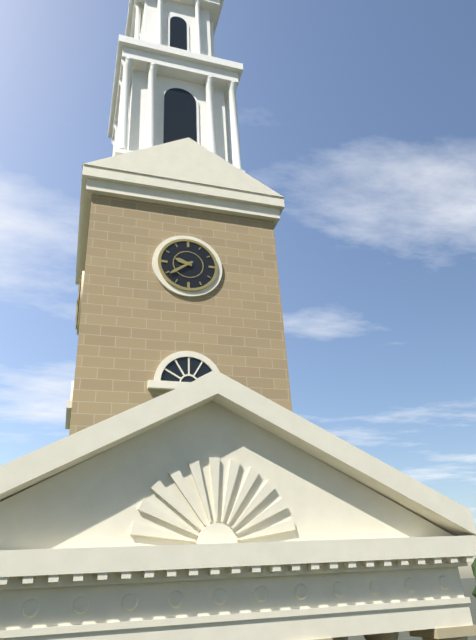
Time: h=9 m=39
